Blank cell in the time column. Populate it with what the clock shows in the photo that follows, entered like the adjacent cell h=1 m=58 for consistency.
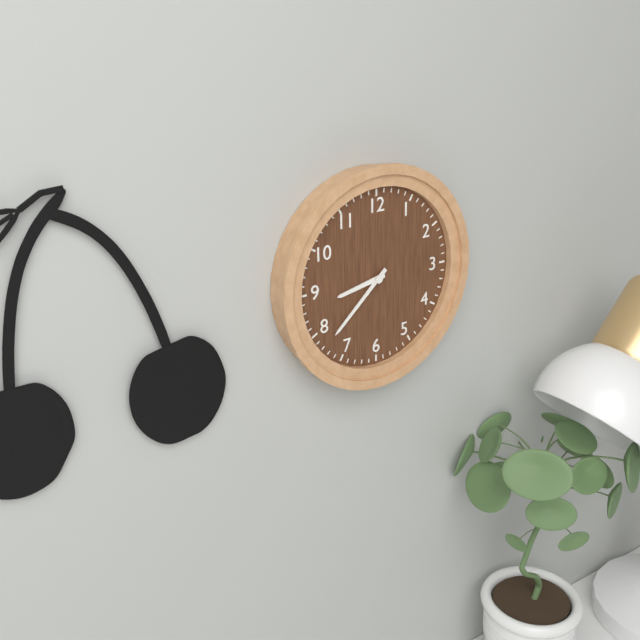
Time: h=8 m=38
